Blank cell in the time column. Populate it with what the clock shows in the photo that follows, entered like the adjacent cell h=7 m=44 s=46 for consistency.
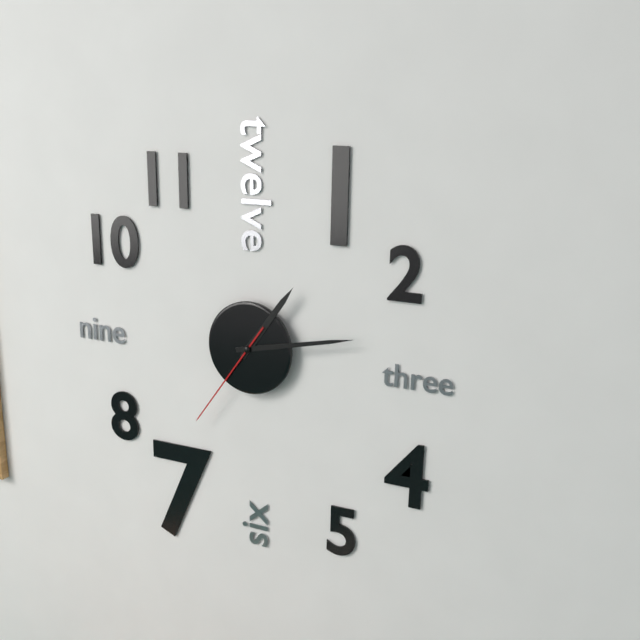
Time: h=1 m=13 s=36
